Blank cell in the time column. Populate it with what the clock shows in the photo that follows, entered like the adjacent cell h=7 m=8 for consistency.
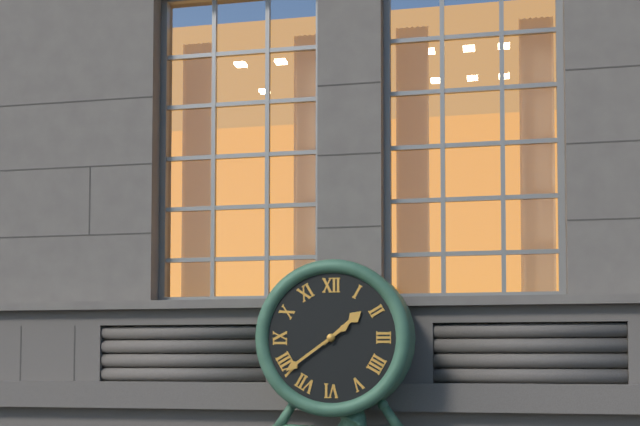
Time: h=1 m=39
